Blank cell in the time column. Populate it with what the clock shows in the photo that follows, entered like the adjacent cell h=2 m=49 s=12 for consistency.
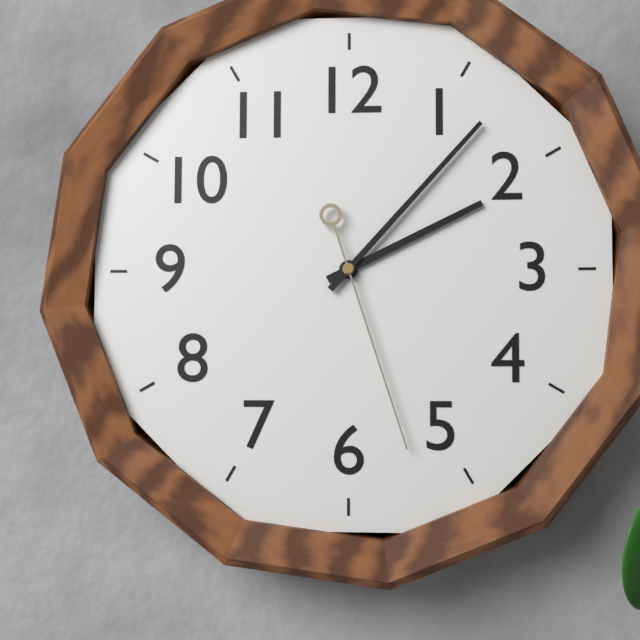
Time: h=2 m=7 s=27
